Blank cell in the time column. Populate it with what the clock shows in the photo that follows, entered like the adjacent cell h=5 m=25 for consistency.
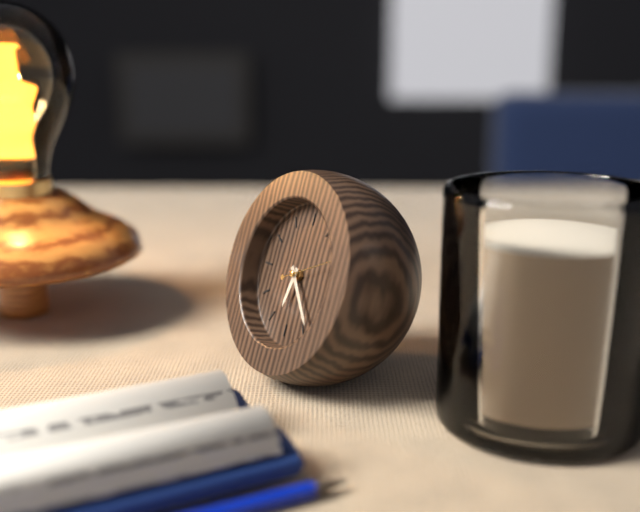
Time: h=6 m=23
